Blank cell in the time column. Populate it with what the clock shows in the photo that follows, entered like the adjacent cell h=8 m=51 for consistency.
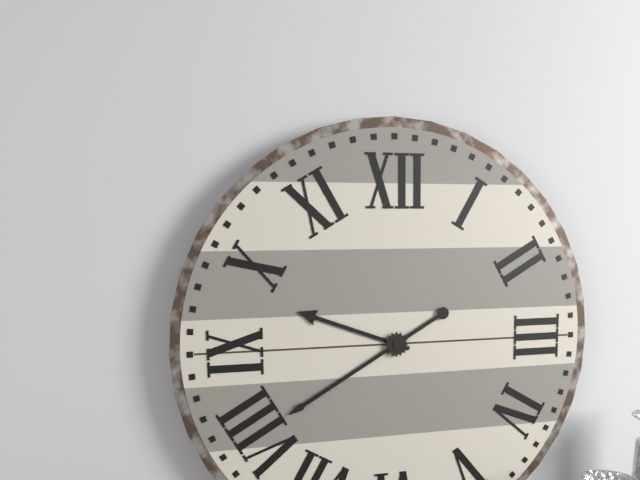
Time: h=9 m=40
